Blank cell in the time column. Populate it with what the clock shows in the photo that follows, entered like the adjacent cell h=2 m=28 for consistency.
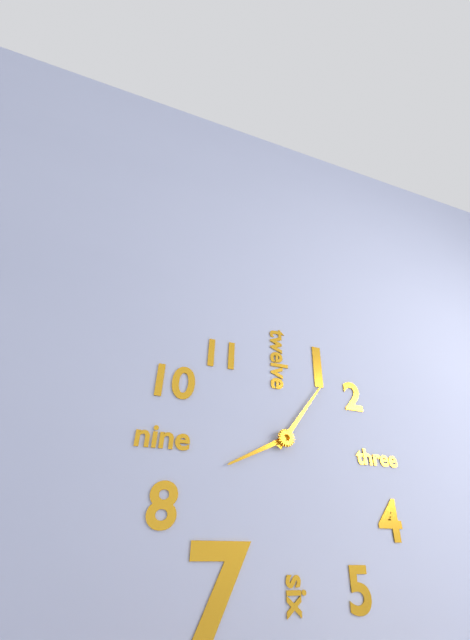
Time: h=8 m=6
